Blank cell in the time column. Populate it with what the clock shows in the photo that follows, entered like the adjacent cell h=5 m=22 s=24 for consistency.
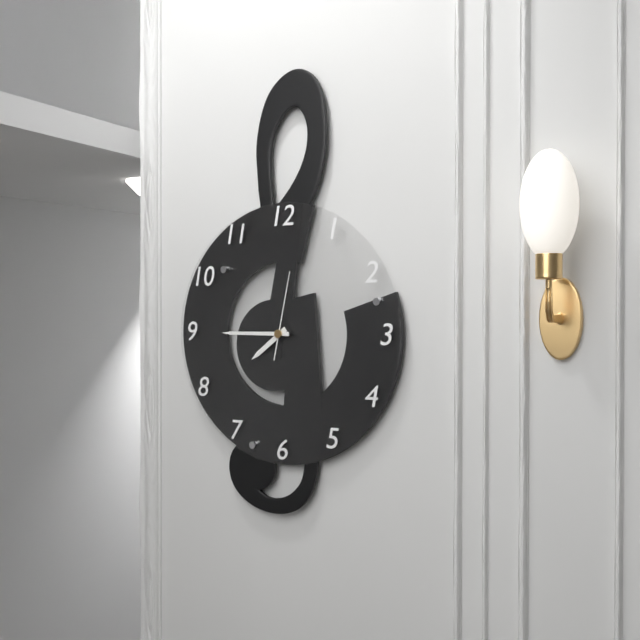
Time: h=7 m=45 s=2
